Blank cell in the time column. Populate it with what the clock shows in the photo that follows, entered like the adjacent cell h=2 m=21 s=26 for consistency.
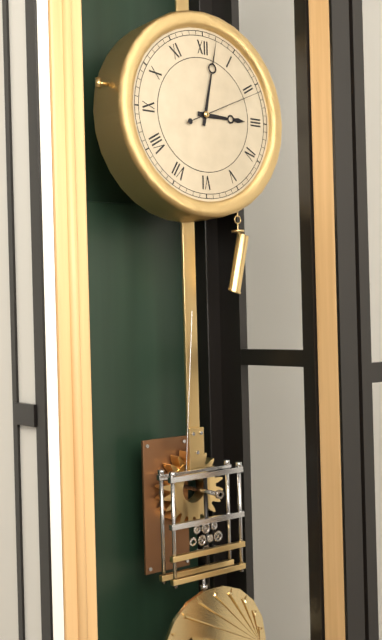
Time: h=3 m=2 s=11
